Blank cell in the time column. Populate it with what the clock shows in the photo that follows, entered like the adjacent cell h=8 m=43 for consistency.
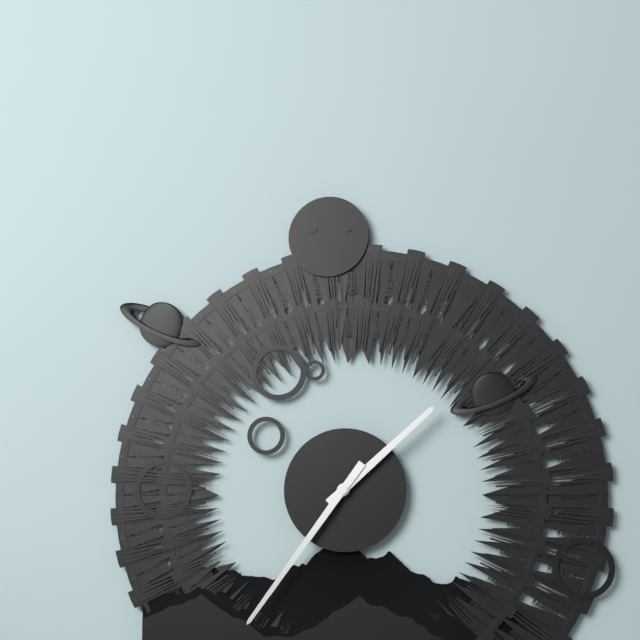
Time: h=1 m=36
